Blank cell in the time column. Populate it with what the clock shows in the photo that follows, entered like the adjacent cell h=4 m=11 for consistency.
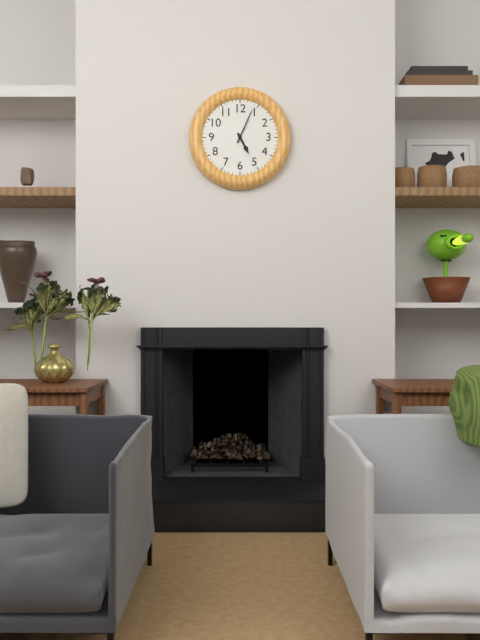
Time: h=5 m=4
